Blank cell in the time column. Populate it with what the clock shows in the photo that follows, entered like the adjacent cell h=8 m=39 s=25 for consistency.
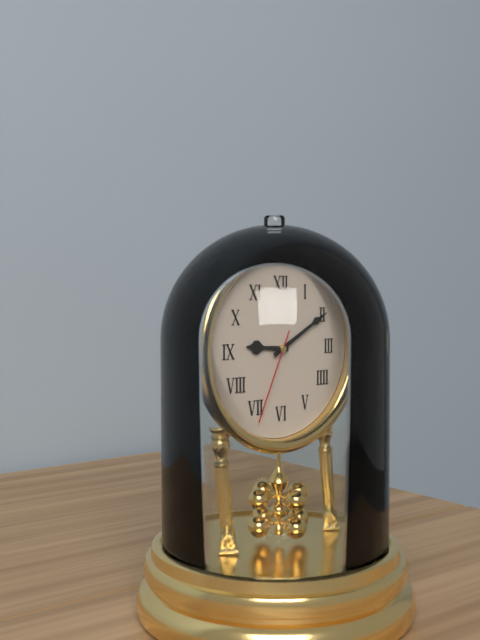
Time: h=9 m=10 s=34
